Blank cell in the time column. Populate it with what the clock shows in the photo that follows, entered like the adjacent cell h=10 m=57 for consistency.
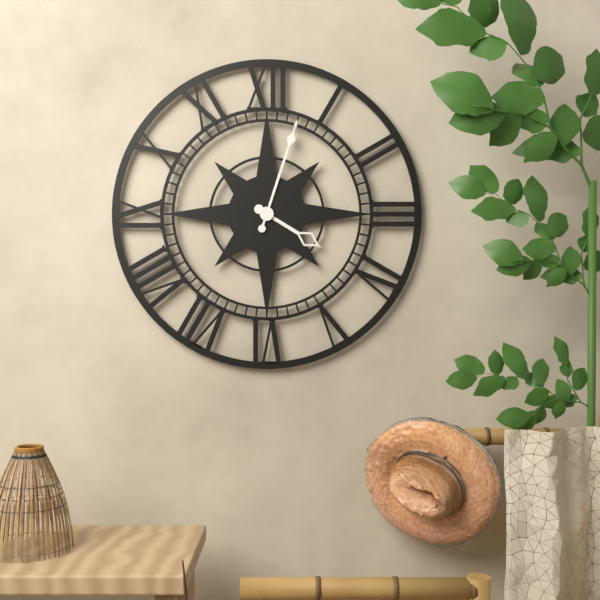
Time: h=4 m=3
